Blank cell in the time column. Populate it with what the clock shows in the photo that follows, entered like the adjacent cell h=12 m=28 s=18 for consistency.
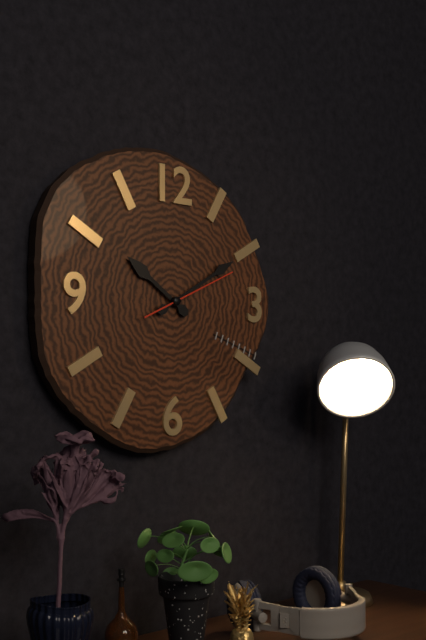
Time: h=10 m=10 s=11
